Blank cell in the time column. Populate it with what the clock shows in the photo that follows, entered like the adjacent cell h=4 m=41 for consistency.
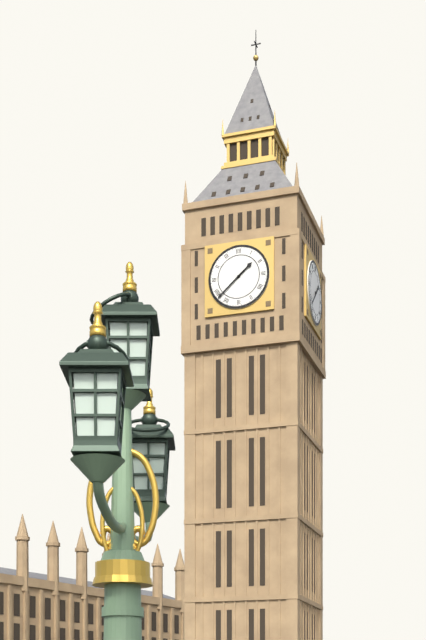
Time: h=1 m=38
